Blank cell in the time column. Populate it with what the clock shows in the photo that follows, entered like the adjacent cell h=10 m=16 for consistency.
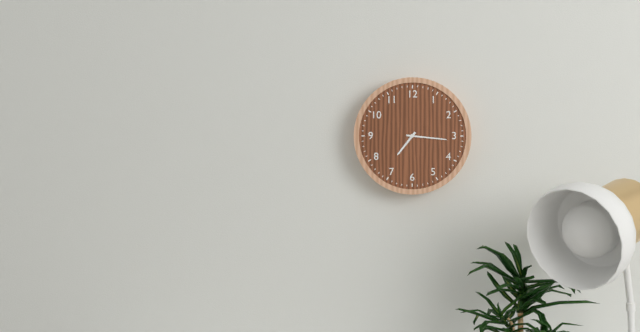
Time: h=7 m=16
